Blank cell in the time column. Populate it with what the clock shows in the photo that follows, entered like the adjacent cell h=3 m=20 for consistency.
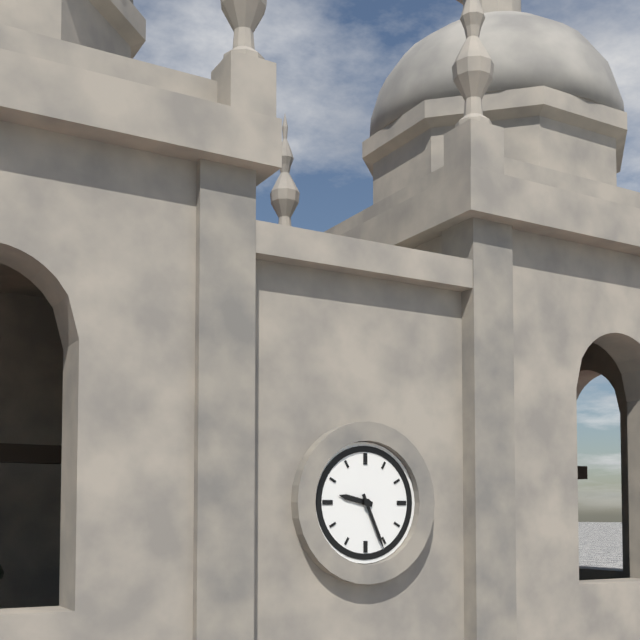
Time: h=9 m=26
